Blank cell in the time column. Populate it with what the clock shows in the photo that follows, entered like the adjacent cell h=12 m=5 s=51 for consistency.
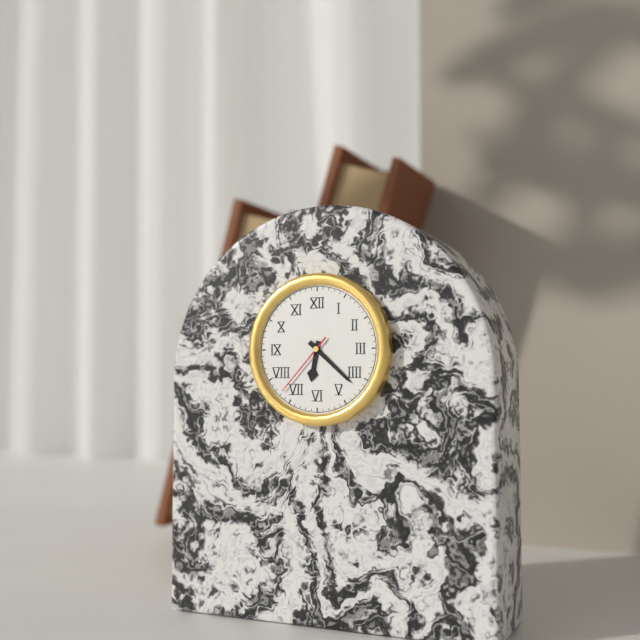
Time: h=6 m=22 s=37
